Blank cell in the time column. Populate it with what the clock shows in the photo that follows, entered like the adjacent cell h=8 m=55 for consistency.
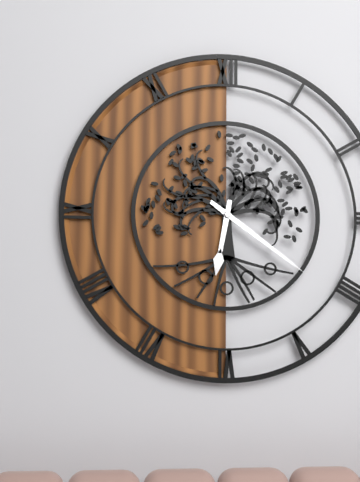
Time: h=6 m=21
